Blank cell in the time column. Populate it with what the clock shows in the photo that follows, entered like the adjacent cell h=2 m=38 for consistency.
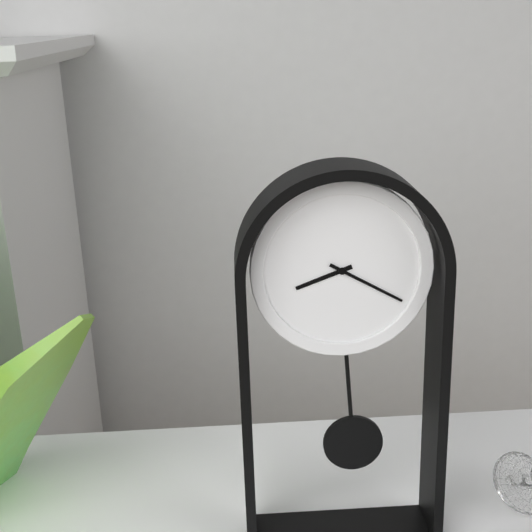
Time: h=8 m=20
